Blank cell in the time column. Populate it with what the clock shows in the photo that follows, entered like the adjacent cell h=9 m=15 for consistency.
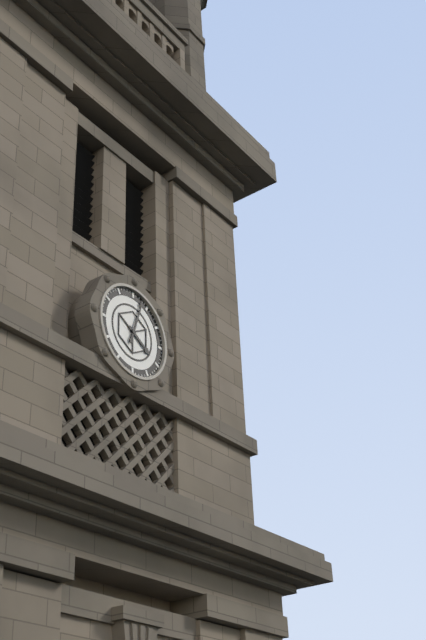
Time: h=4 m=3
